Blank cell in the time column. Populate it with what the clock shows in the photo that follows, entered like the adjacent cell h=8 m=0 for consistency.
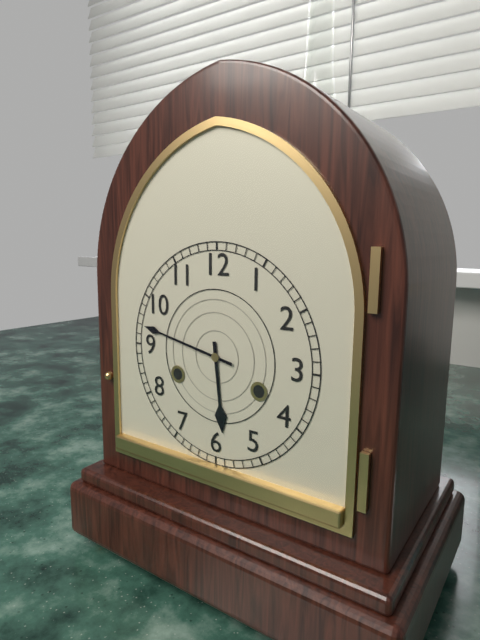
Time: h=5 m=47
